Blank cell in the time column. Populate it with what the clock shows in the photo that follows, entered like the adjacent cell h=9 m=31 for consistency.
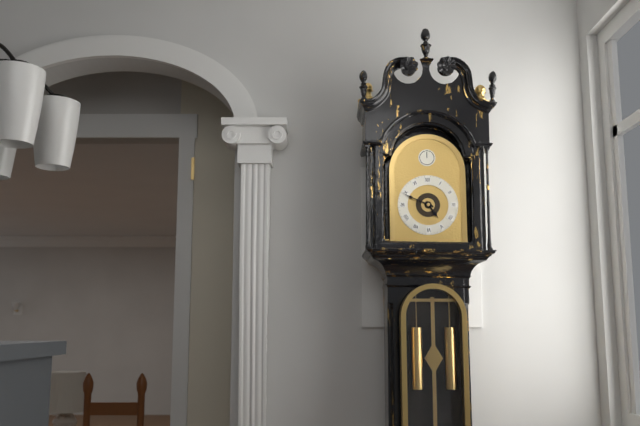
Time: h=4 m=49
